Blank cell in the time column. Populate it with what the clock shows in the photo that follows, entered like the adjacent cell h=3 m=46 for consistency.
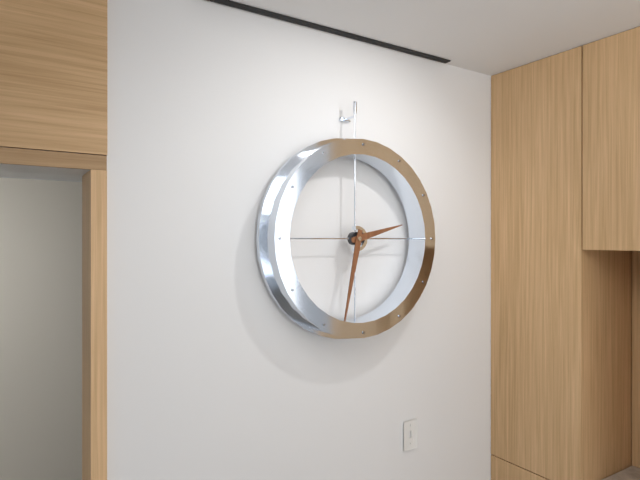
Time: h=2 m=32
